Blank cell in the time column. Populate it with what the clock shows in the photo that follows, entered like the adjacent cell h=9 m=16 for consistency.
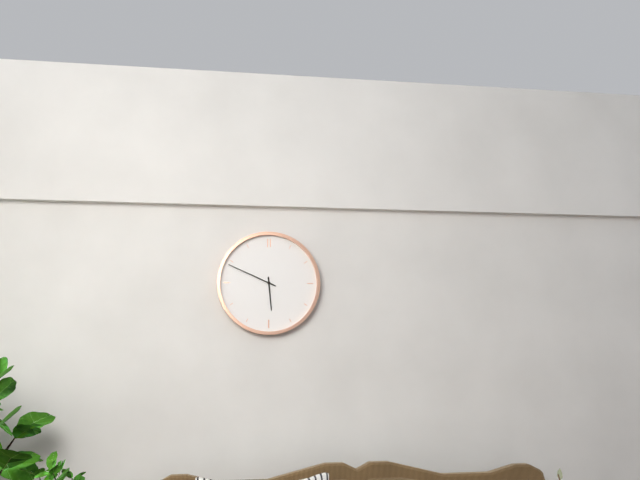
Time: h=5 m=49
